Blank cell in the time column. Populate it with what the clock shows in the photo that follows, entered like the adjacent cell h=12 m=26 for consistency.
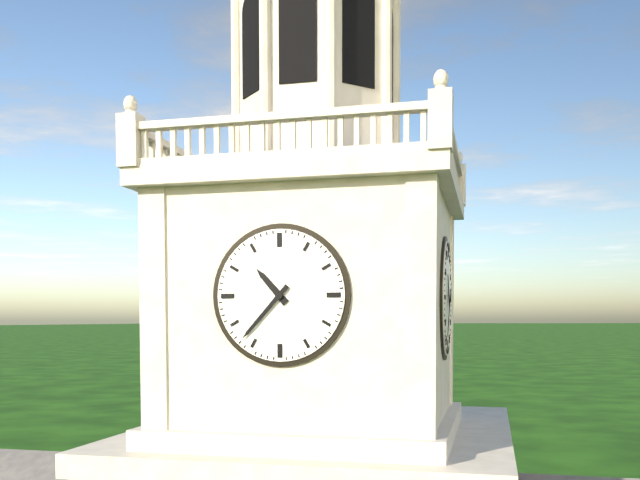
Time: h=10 m=37
